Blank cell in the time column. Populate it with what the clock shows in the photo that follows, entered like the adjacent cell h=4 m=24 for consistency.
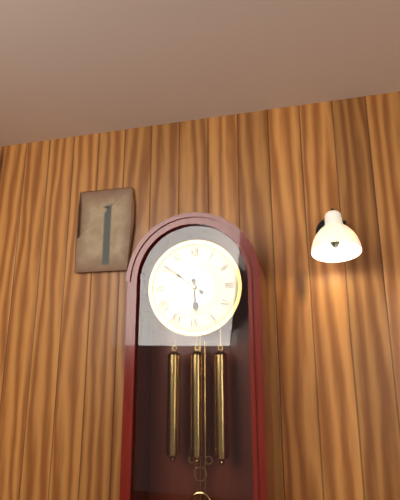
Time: h=5 m=51
